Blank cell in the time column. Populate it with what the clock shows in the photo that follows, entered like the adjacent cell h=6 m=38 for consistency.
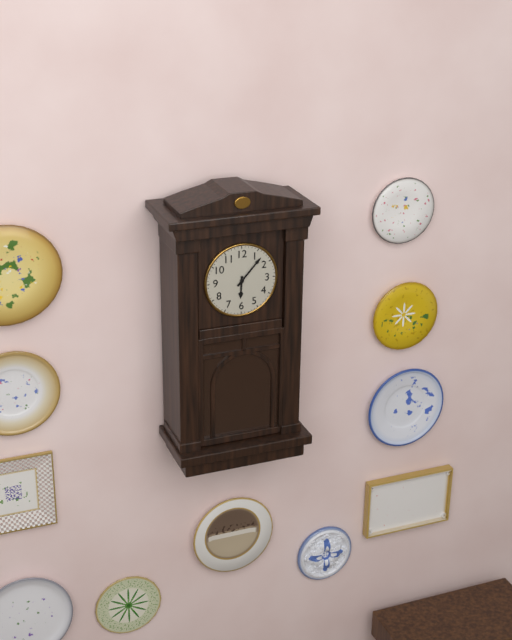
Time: h=6 m=7
